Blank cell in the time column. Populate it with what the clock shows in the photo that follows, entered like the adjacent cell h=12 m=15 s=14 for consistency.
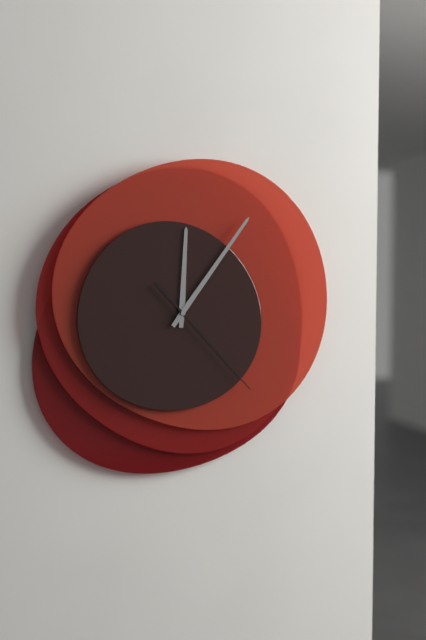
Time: h=12 m=6 s=23
